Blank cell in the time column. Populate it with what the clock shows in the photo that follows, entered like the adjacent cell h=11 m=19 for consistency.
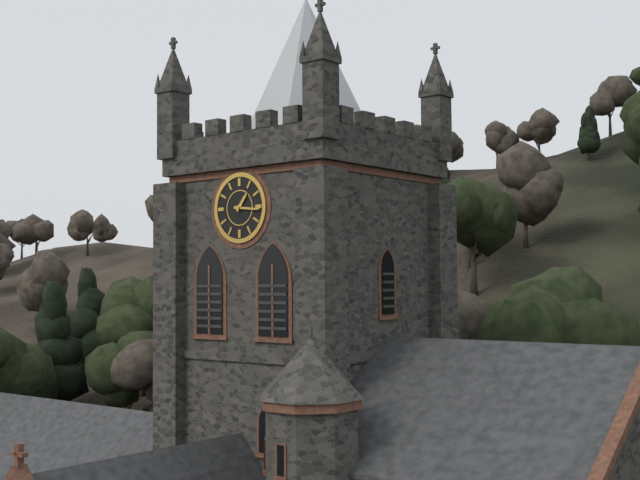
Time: h=1 m=16
